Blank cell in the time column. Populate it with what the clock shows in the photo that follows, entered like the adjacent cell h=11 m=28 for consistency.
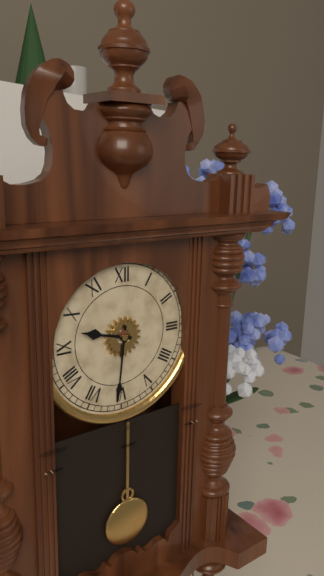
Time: h=9 m=31
